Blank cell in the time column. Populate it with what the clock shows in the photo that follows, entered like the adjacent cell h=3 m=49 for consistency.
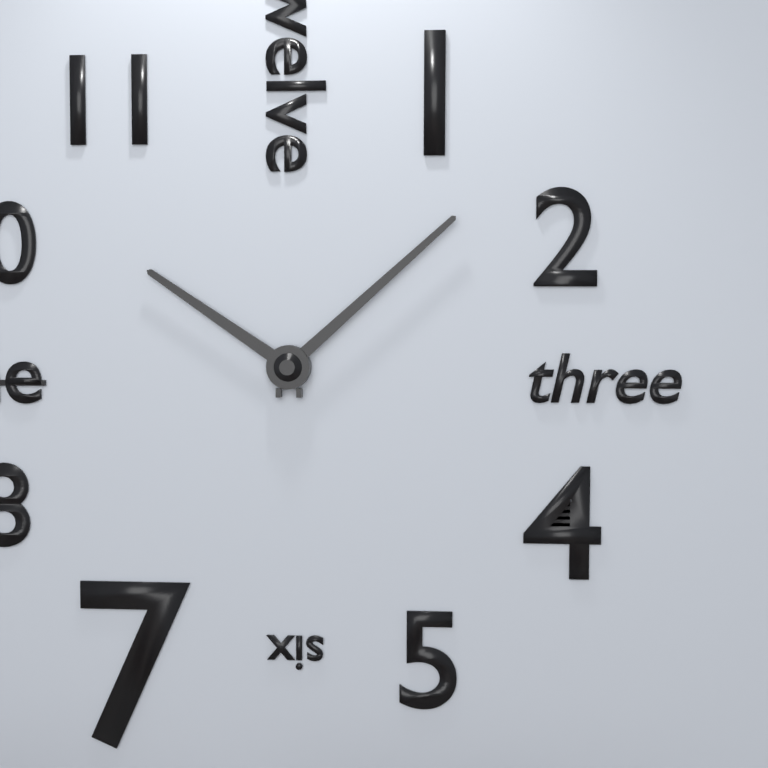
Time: h=10 m=8
